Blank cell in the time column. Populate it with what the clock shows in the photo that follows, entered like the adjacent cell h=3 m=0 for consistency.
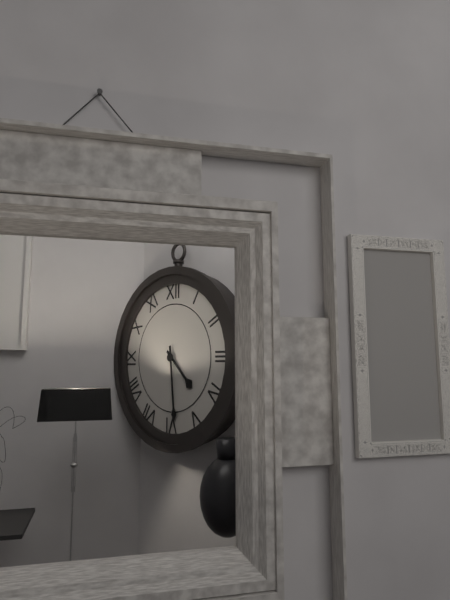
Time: h=4 m=29
